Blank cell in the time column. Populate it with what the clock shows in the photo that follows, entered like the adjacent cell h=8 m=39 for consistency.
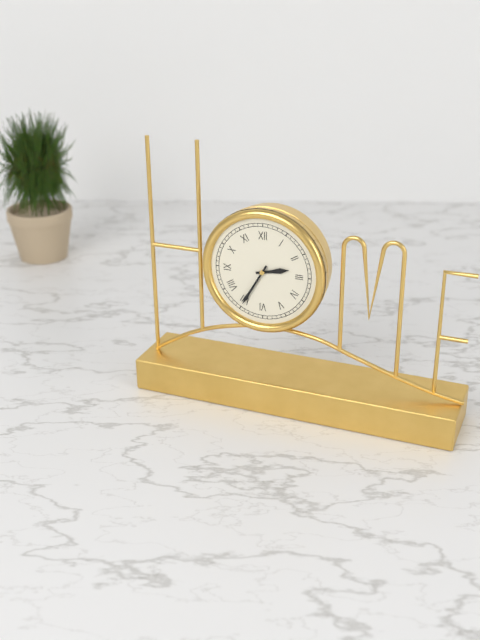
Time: h=2 m=35
